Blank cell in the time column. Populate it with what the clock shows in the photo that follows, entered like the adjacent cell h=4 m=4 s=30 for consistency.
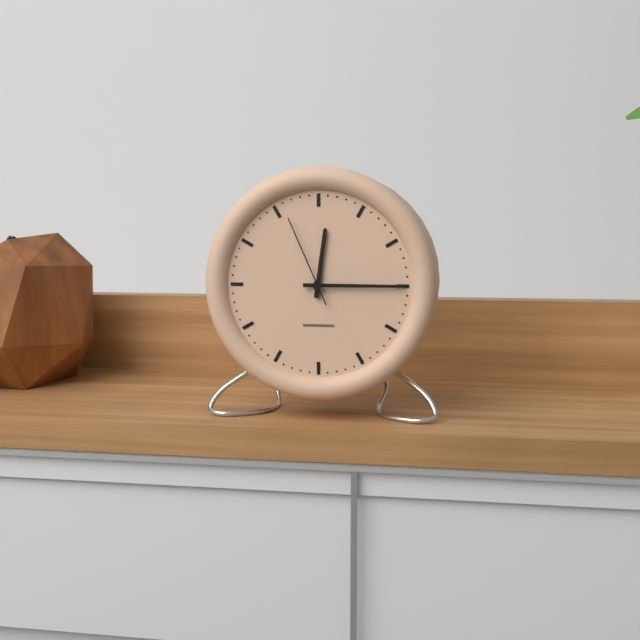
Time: h=12 m=15 s=56
